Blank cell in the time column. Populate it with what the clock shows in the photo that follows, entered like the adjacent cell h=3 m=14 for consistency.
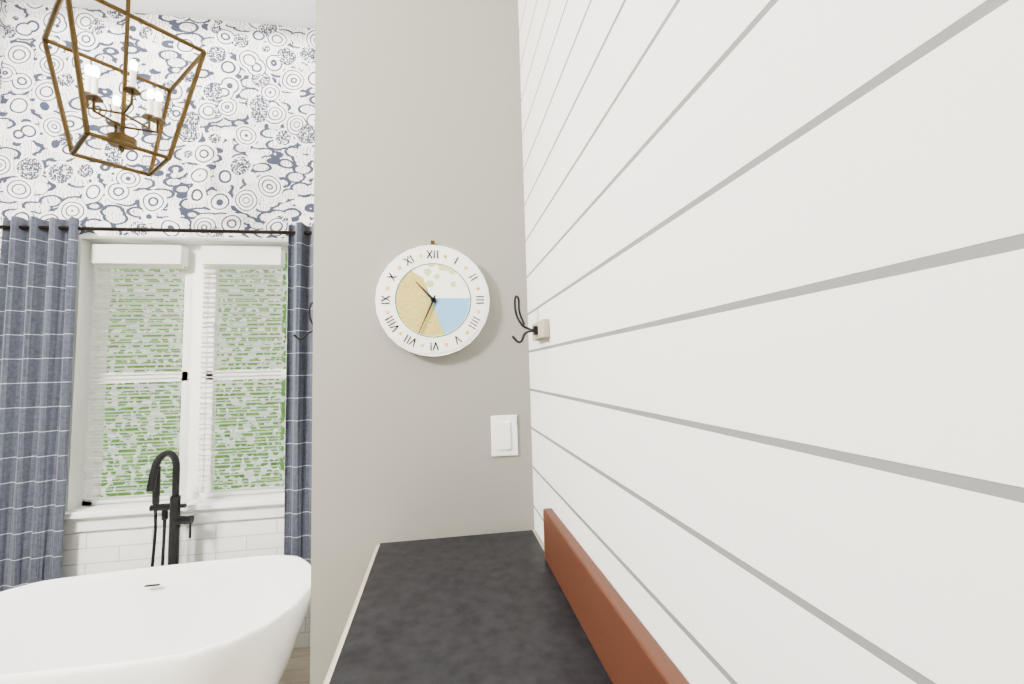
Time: h=10 m=34
